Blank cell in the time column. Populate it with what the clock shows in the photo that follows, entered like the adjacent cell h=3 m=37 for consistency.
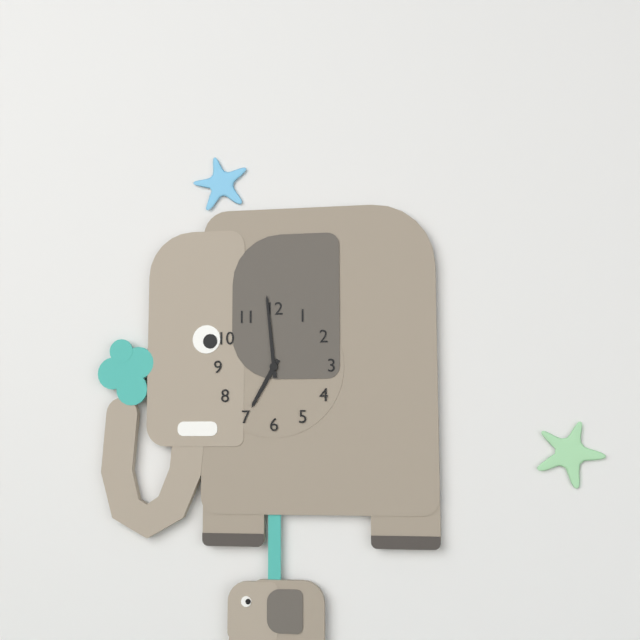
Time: h=6 m=59
